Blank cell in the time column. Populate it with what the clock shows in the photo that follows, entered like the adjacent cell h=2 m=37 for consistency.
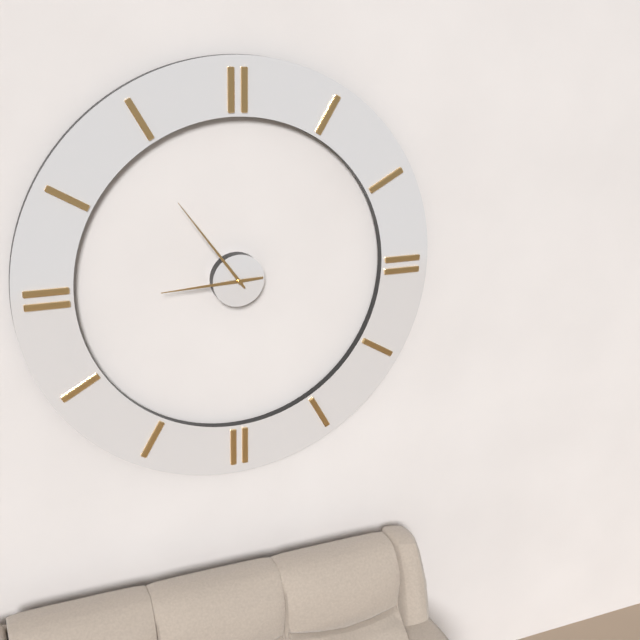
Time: h=8 m=54
